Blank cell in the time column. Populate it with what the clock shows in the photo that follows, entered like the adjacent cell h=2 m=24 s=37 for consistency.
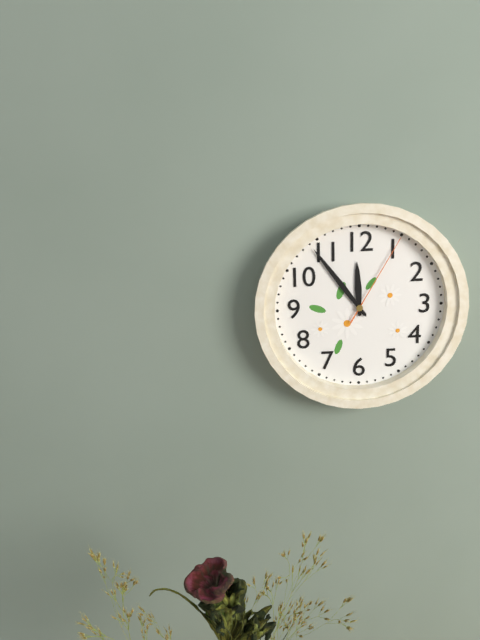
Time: h=11 m=54 s=5
